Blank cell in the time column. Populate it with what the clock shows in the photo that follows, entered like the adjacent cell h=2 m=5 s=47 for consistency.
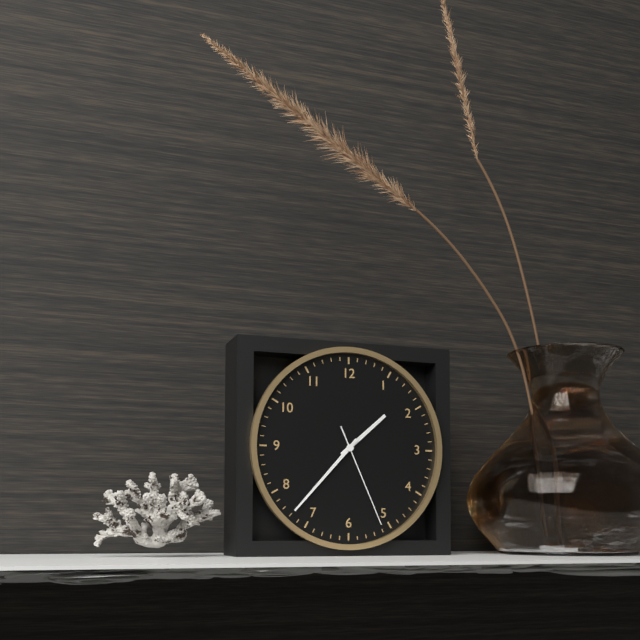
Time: h=1 m=37 s=26
